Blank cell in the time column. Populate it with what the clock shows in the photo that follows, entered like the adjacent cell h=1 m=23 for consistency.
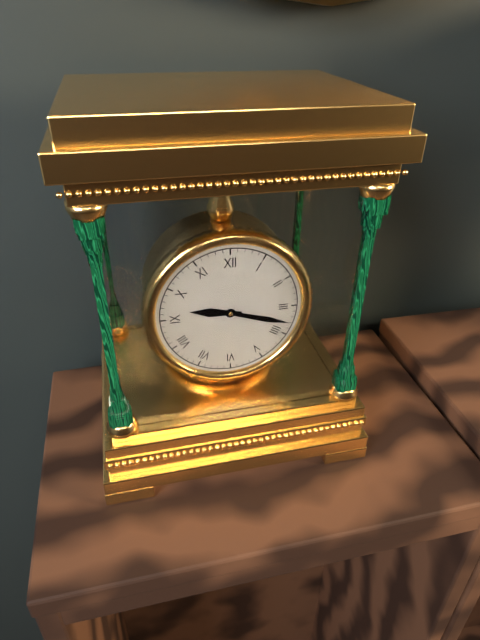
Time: h=9 m=18
